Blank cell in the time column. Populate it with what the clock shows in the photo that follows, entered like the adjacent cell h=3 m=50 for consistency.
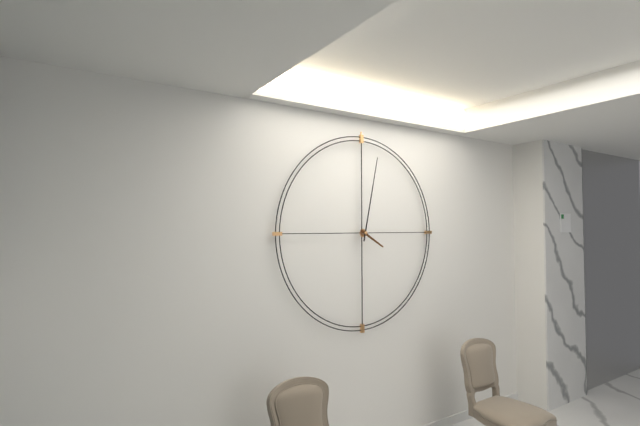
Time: h=4 m=2
